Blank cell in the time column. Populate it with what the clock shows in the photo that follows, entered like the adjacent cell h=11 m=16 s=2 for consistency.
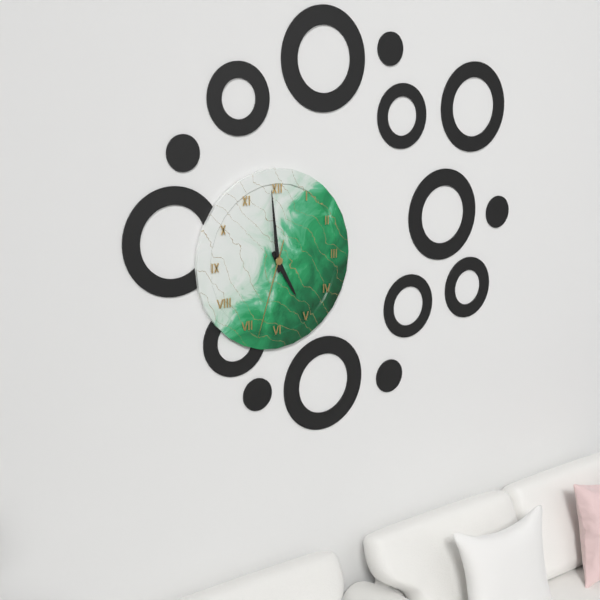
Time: h=4 m=59 s=33
